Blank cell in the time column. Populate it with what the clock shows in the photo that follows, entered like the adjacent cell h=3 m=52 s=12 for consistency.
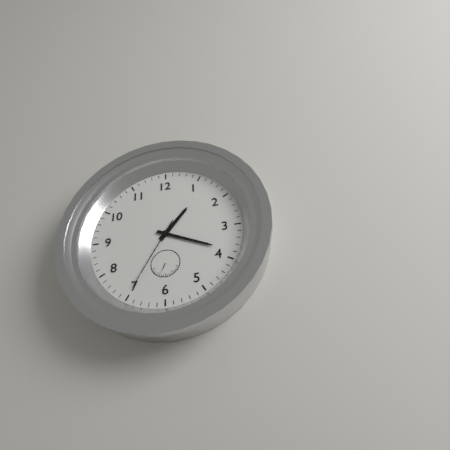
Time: h=1 m=19 s=35
